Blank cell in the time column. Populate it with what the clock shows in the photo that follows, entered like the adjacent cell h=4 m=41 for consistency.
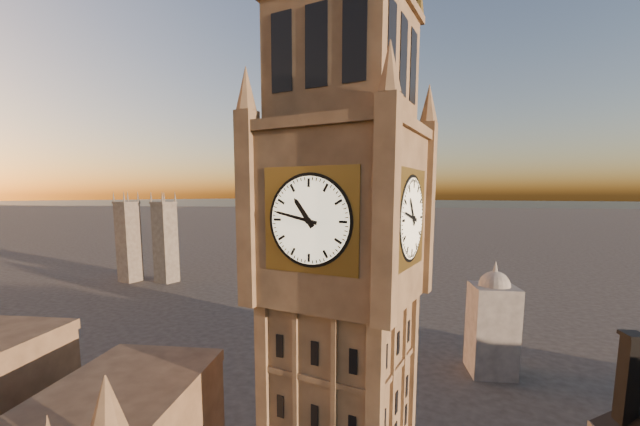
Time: h=10 m=47
